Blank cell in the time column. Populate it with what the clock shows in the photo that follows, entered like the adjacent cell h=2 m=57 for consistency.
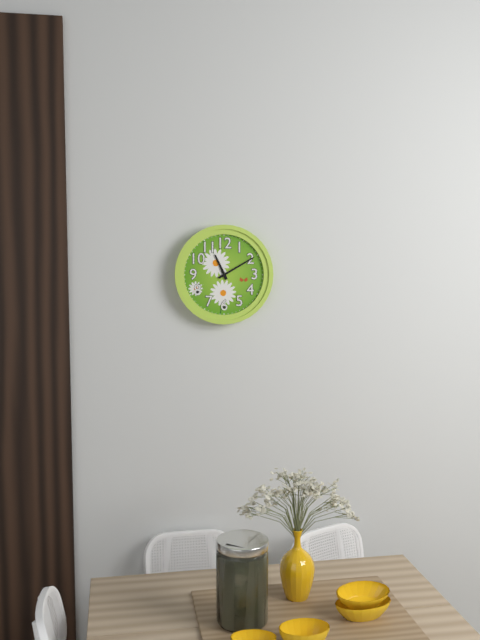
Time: h=11 m=10
